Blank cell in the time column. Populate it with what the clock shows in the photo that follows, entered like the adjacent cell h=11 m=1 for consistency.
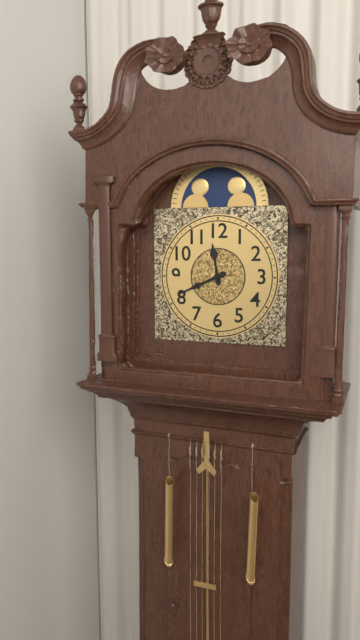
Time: h=11 m=41
